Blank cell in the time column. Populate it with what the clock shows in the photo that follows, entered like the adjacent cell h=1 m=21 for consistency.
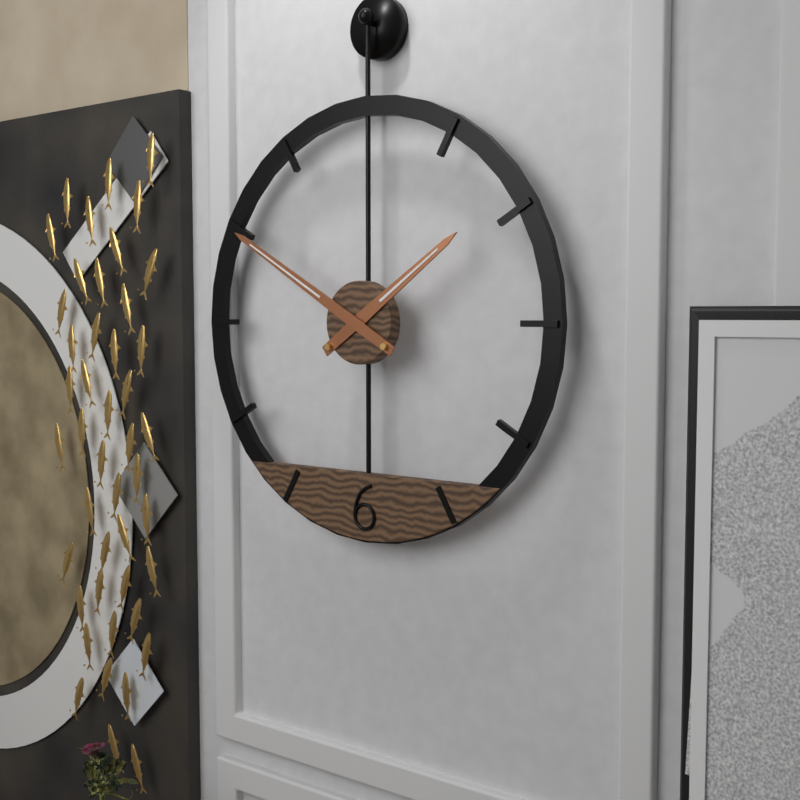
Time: h=1 m=50
